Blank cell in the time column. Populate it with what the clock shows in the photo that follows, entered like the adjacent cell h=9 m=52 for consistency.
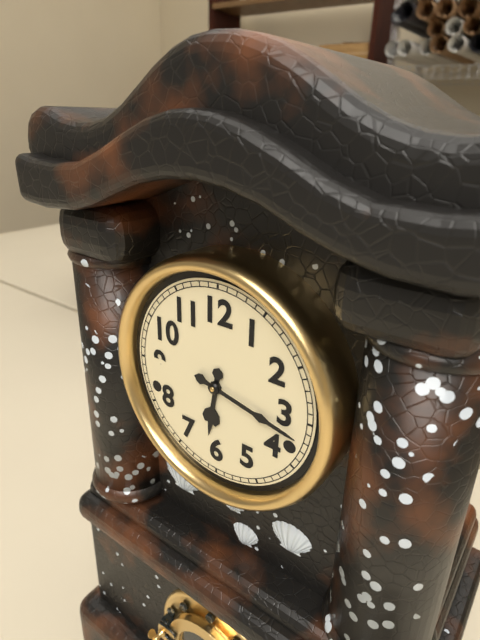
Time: h=6 m=17
